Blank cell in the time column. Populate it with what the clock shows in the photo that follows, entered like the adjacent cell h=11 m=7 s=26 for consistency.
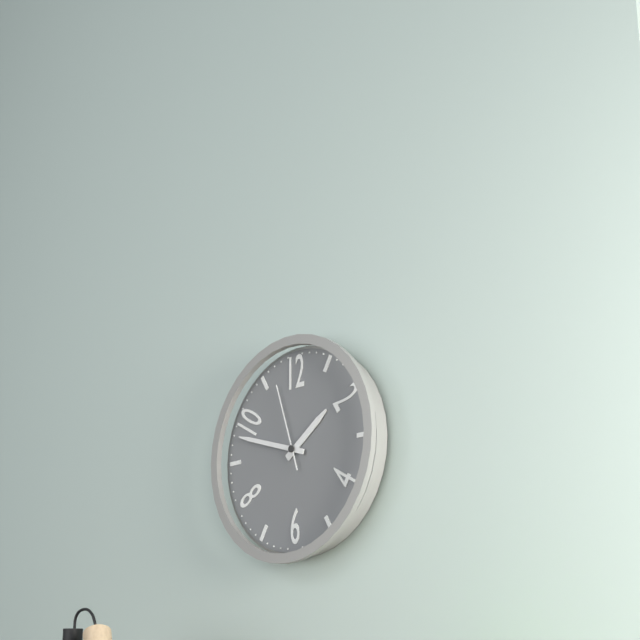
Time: h=1 m=48 s=57
